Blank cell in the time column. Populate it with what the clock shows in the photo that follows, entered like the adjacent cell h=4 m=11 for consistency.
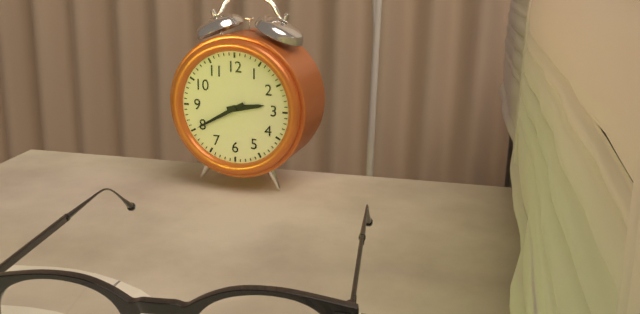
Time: h=2 m=40
